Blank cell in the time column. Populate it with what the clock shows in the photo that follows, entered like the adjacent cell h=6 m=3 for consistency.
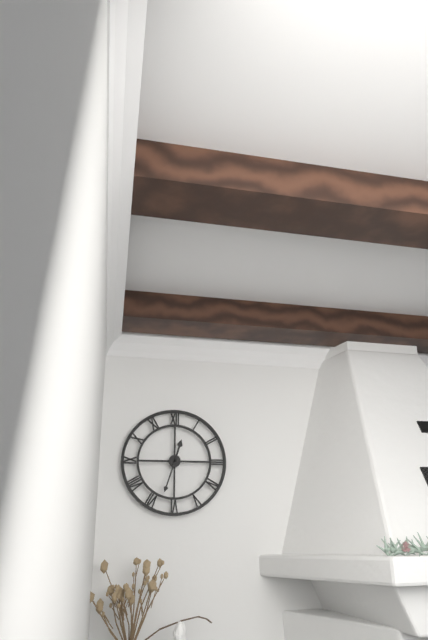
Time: h=12 m=33
